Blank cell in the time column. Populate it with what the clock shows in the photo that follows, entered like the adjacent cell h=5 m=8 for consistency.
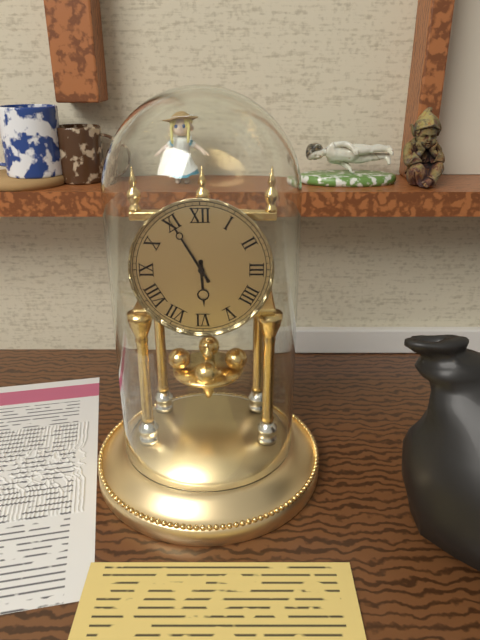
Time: h=5 m=55
